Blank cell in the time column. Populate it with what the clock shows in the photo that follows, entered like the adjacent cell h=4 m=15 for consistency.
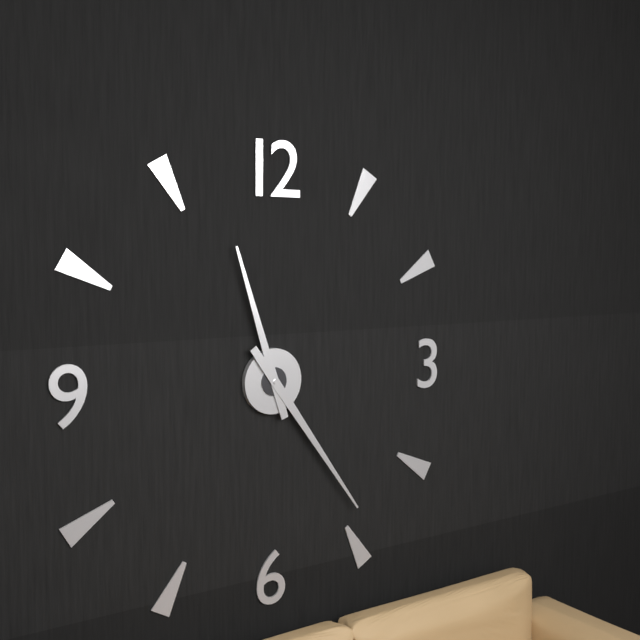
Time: h=11 m=24
